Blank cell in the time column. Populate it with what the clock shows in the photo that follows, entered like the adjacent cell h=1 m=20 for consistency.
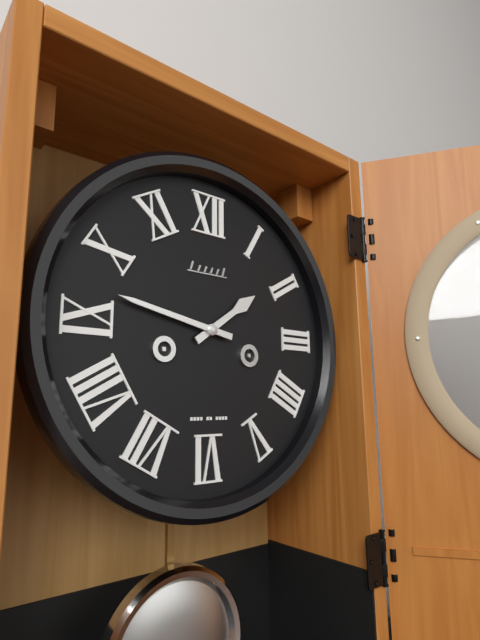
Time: h=1 m=47
